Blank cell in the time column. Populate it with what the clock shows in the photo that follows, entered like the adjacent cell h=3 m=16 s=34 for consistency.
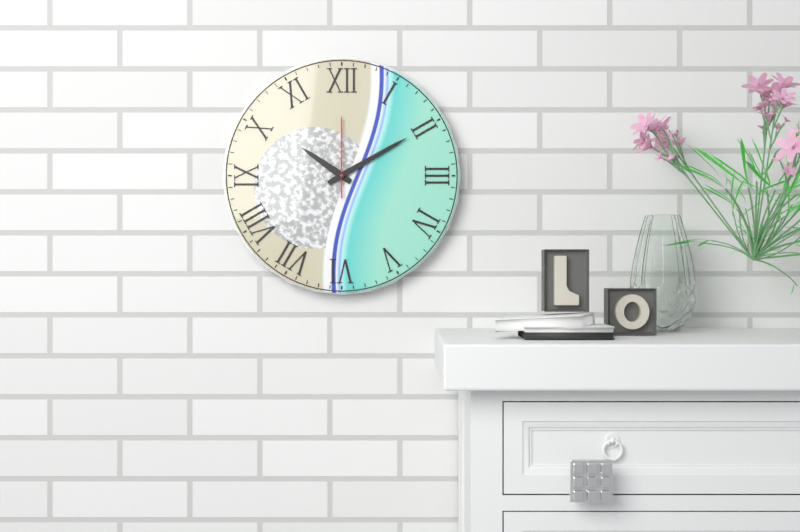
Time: h=10 m=10 s=0
